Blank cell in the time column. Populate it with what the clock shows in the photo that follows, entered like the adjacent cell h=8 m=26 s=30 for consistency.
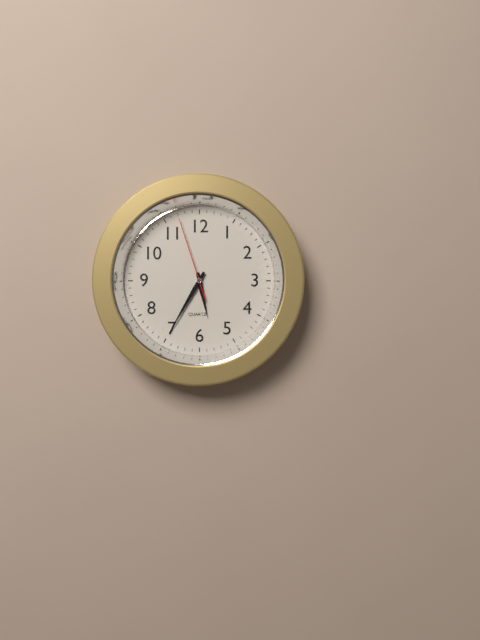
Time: h=5 m=35 s=57
